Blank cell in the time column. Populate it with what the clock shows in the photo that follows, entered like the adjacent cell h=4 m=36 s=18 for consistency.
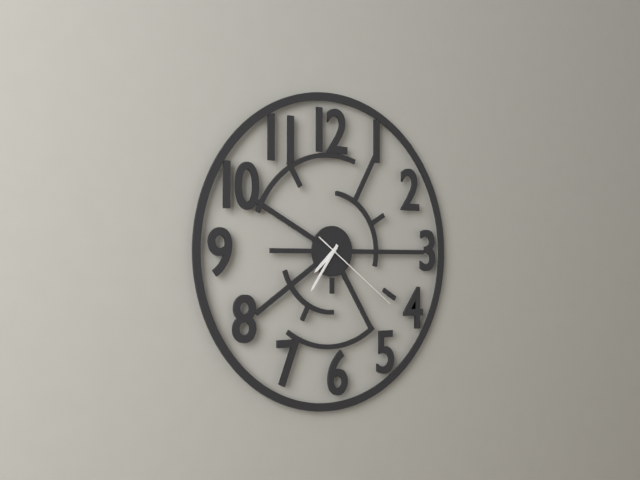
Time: h=7 m=36 s=21
